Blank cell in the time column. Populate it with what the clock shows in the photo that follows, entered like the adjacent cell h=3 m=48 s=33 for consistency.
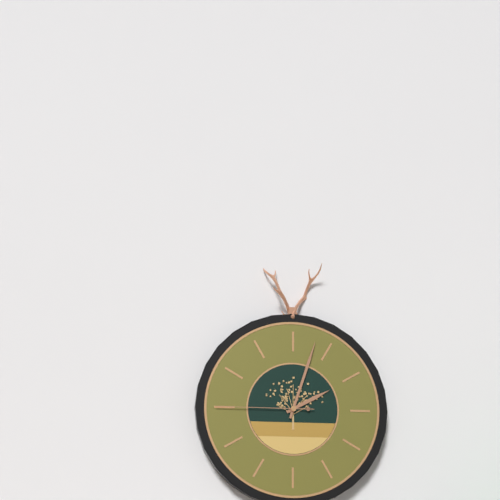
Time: h=2 m=3 s=45
